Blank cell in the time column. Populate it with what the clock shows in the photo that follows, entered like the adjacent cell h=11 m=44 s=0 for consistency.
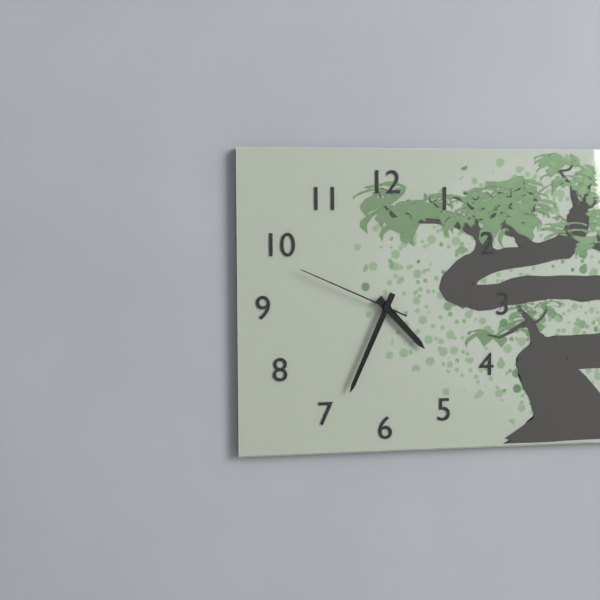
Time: h=4 m=34 s=49
